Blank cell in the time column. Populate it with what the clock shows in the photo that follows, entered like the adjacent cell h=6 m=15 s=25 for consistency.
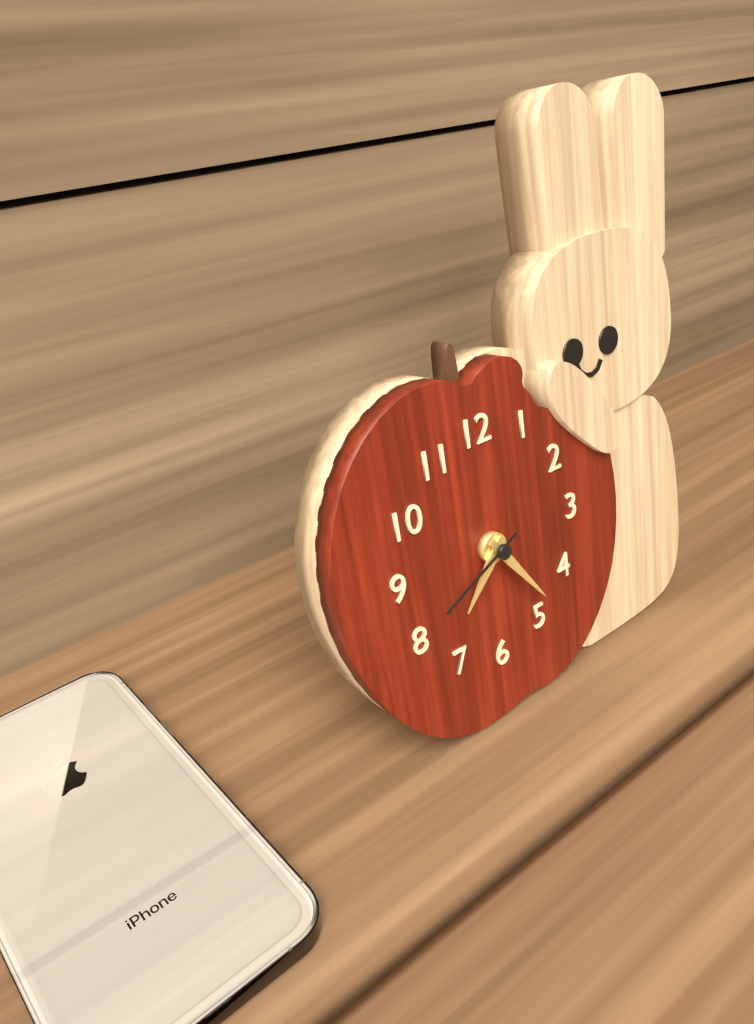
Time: h=7 m=24 s=41
